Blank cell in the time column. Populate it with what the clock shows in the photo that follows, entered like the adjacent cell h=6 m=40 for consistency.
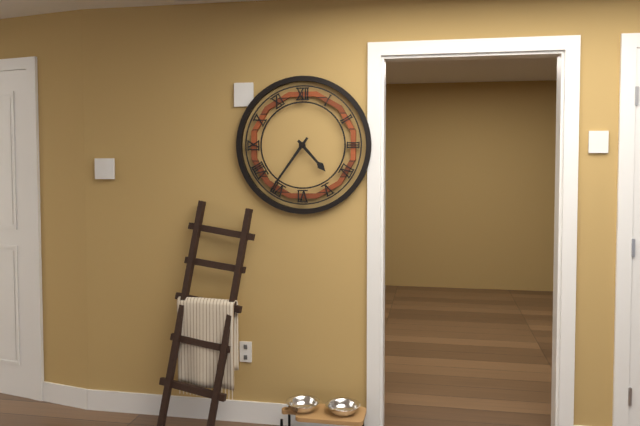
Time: h=4 m=36
